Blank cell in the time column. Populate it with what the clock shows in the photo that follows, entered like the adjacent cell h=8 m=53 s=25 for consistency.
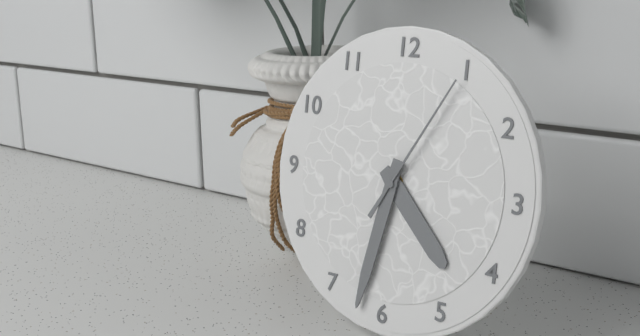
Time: h=4 m=32 s=5
